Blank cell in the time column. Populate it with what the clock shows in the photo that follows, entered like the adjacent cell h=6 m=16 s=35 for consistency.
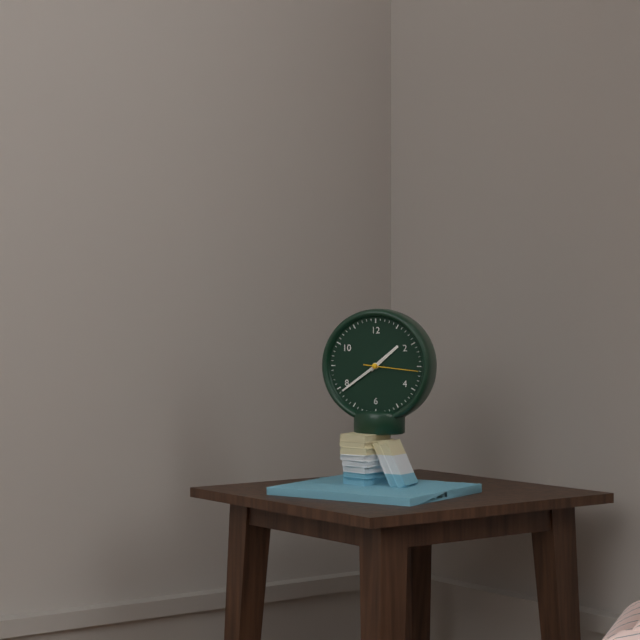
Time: h=1 m=39 s=16
